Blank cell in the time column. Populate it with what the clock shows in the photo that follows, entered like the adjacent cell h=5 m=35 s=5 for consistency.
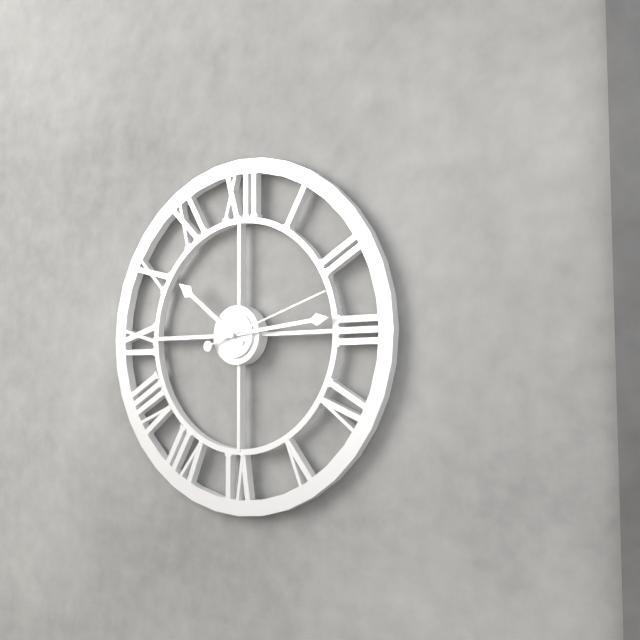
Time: h=10 m=14 s=12
